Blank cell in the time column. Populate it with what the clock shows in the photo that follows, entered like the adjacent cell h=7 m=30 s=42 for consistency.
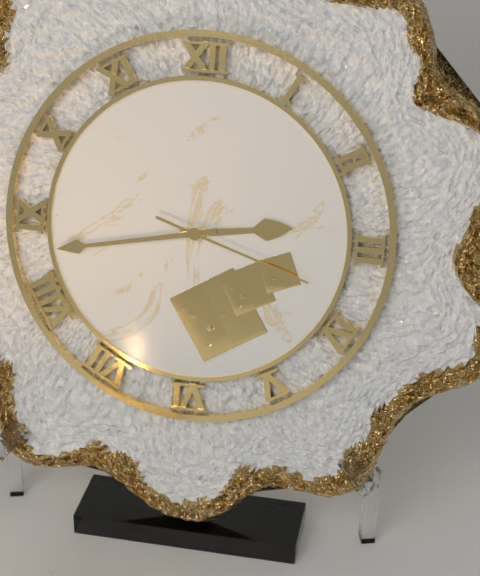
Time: h=2 m=43 s=18
